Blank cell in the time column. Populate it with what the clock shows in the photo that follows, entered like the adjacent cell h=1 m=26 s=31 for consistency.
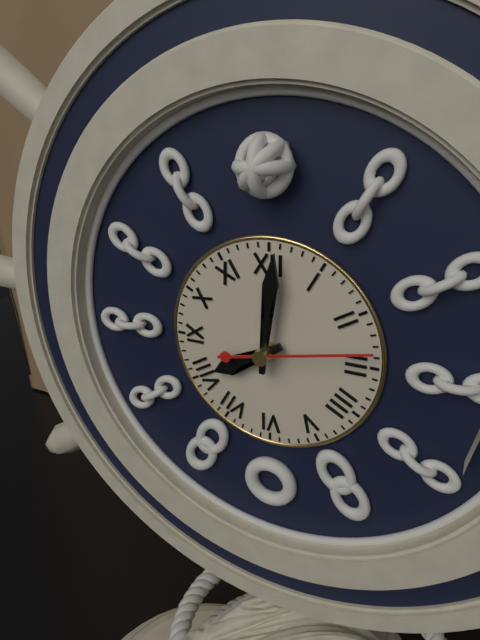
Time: h=8 m=1 s=13
